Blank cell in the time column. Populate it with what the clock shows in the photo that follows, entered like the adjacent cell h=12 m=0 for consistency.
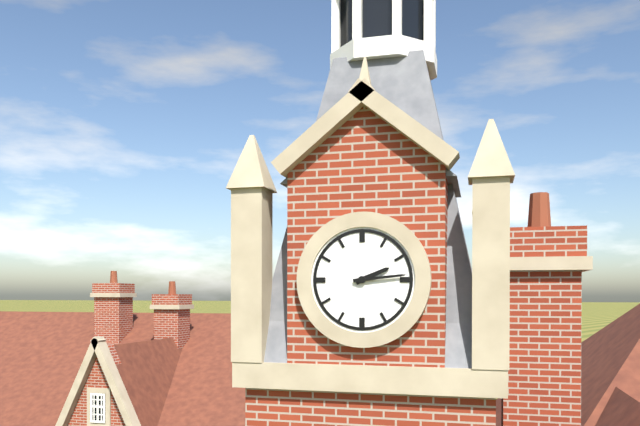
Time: h=2 m=14
